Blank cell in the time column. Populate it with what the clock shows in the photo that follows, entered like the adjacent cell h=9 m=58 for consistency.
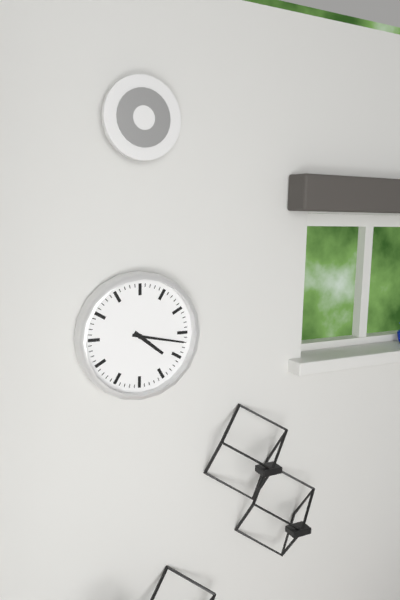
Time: h=4 m=17
